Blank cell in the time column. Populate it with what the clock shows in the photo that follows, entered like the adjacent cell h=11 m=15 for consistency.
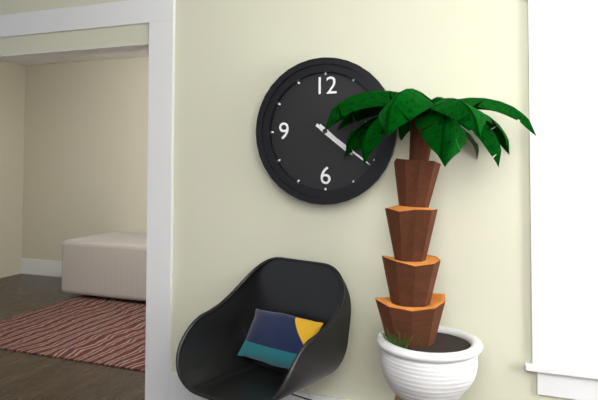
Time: h=4 m=21
